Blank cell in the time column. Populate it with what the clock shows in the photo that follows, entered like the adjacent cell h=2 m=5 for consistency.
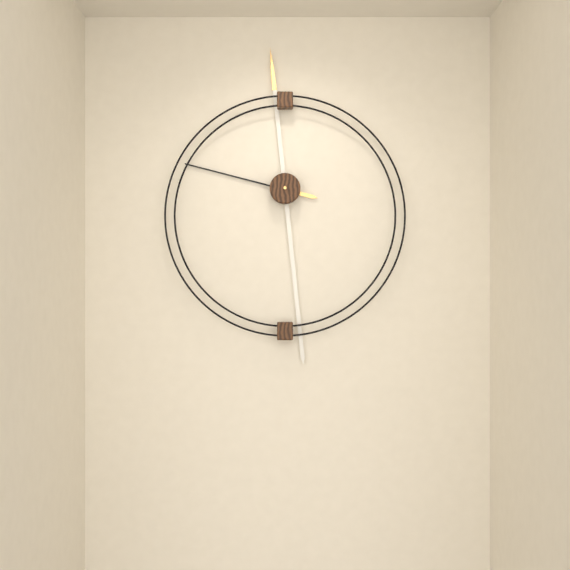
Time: h=9 m=29
